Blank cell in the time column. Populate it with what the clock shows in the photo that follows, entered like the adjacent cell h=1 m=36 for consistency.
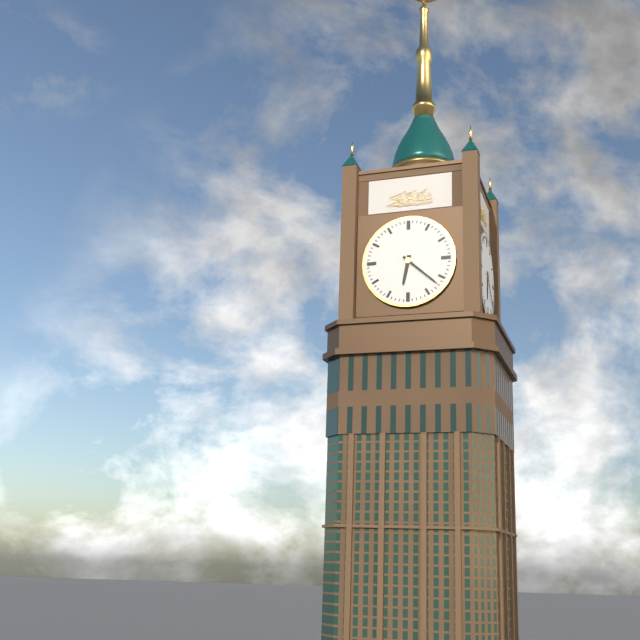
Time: h=6 m=22
